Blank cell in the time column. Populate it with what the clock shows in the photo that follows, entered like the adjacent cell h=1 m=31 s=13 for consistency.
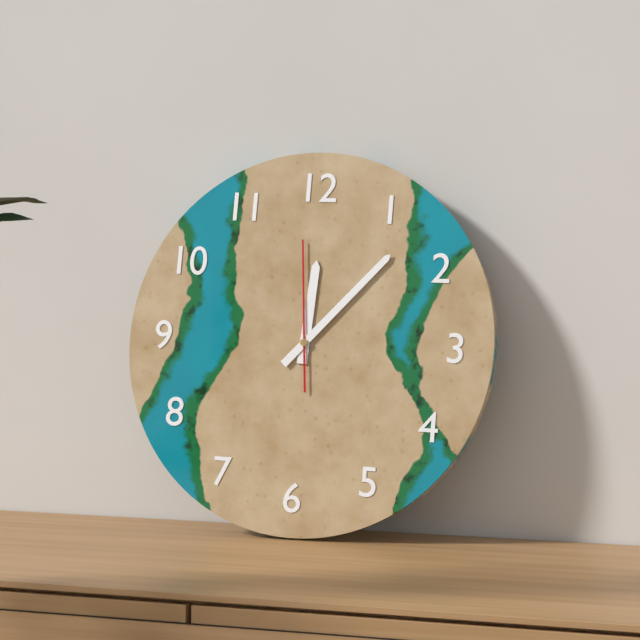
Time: h=12 m=7 s=59
